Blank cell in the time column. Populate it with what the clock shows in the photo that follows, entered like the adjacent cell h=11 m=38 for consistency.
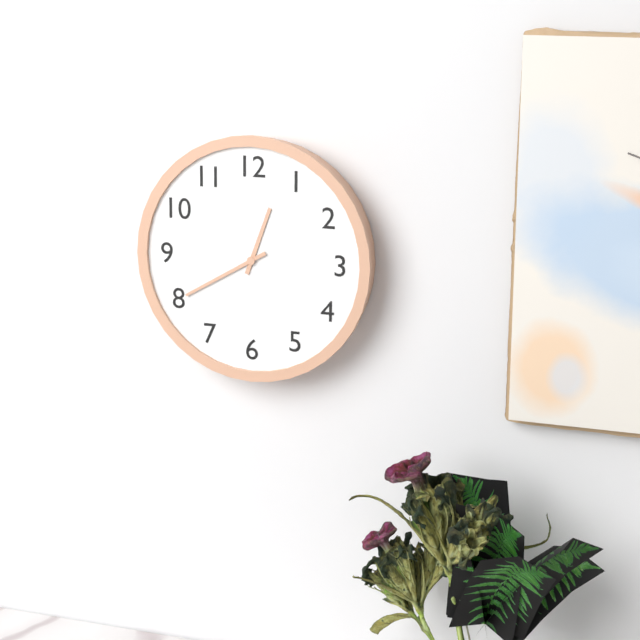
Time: h=12 m=40
